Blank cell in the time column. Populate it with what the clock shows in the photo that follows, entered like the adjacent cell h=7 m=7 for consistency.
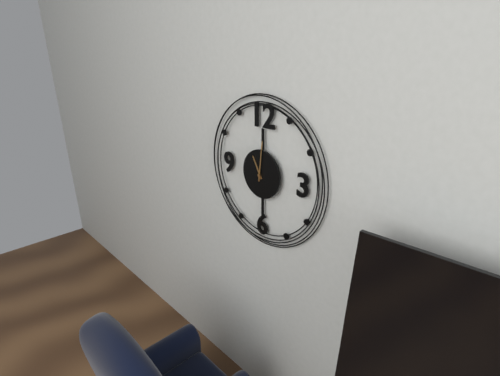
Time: h=11 m=1
